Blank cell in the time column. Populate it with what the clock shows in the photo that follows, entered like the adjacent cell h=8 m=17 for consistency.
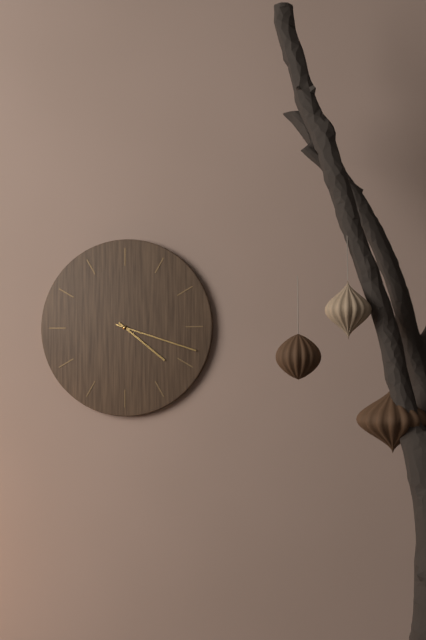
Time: h=4 m=18
